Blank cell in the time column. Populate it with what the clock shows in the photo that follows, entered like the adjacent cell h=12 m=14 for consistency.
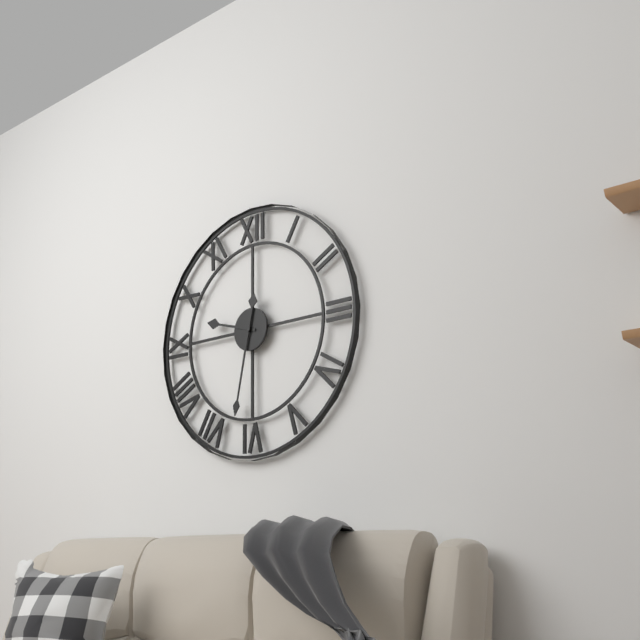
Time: h=9 m=32
